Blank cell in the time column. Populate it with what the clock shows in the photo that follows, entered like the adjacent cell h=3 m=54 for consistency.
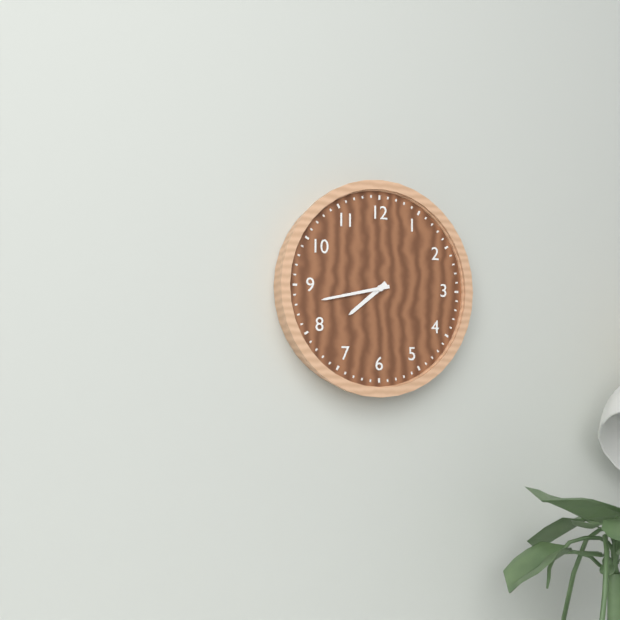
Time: h=7 m=43
